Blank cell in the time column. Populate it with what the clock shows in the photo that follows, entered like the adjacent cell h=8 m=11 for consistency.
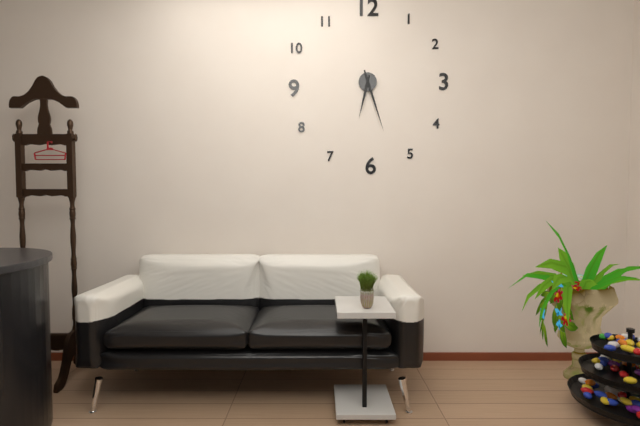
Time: h=6 m=27
